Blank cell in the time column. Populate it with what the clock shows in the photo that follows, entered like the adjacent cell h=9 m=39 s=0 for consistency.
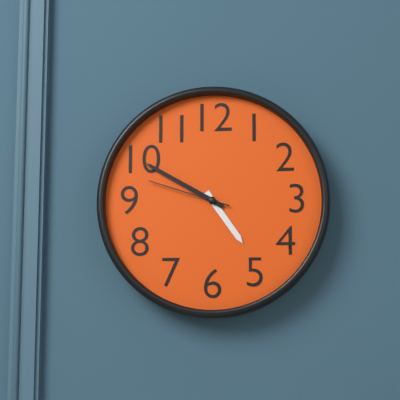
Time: h=4 m=50 s=48
